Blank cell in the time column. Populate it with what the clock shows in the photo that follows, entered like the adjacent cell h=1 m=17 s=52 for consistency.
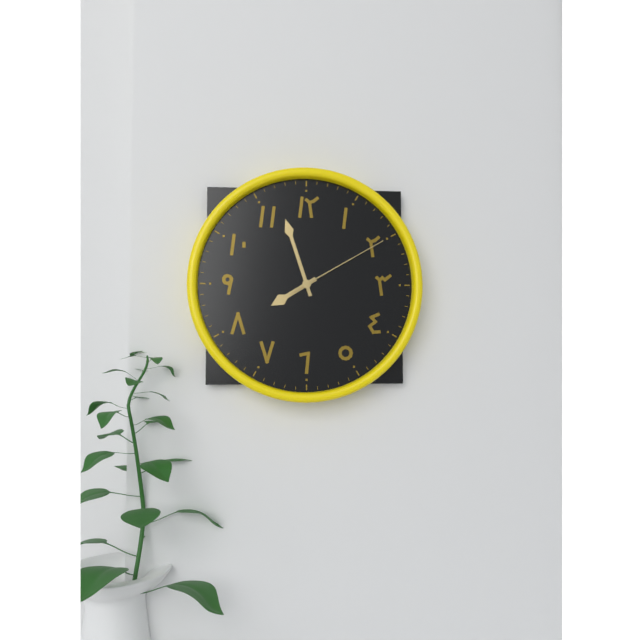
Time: h=7 m=57 s=10
